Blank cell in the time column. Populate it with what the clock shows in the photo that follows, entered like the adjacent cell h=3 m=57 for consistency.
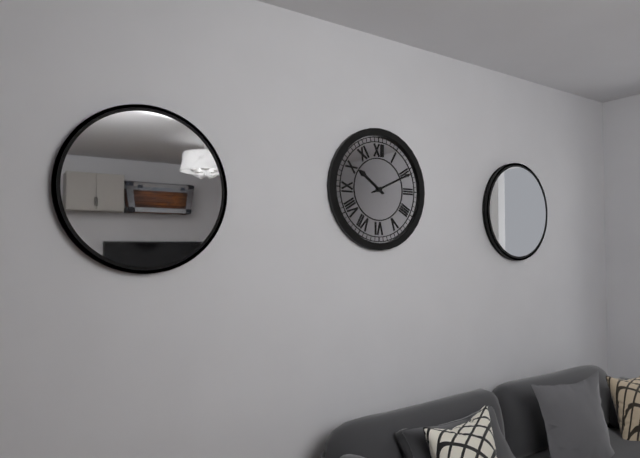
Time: h=10 m=11
